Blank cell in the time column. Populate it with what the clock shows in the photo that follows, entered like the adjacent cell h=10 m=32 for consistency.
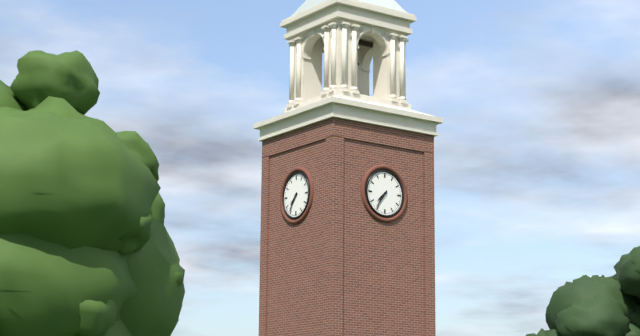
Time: h=7 m=36
